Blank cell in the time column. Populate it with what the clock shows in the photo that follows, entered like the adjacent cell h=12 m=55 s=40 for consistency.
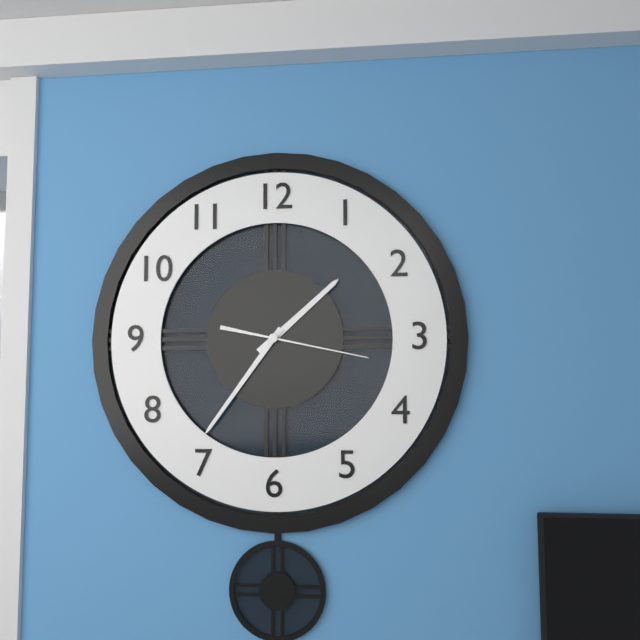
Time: h=1 m=36 s=17
